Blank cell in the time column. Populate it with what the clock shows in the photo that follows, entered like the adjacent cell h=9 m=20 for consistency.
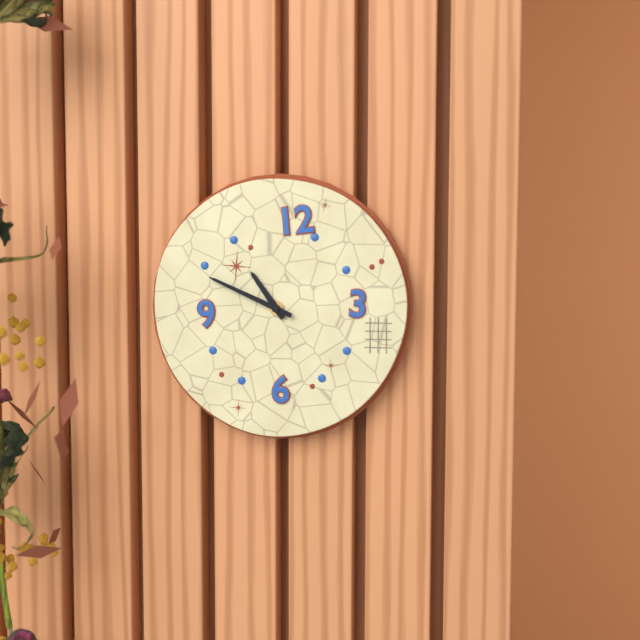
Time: h=10 m=49
